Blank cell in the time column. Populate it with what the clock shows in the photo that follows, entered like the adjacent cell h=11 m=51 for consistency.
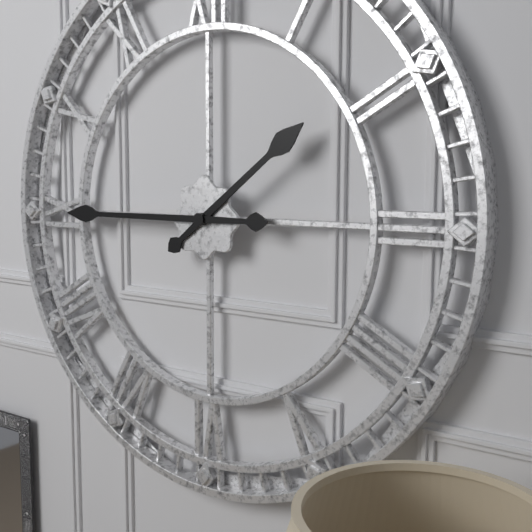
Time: h=1 m=45
